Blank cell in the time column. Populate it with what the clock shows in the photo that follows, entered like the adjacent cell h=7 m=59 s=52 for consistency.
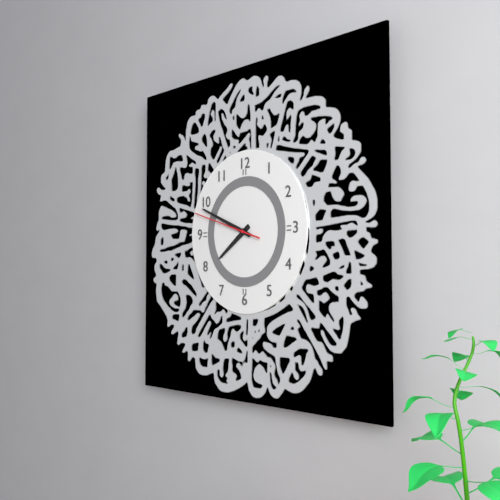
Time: h=7 m=49 s=48
